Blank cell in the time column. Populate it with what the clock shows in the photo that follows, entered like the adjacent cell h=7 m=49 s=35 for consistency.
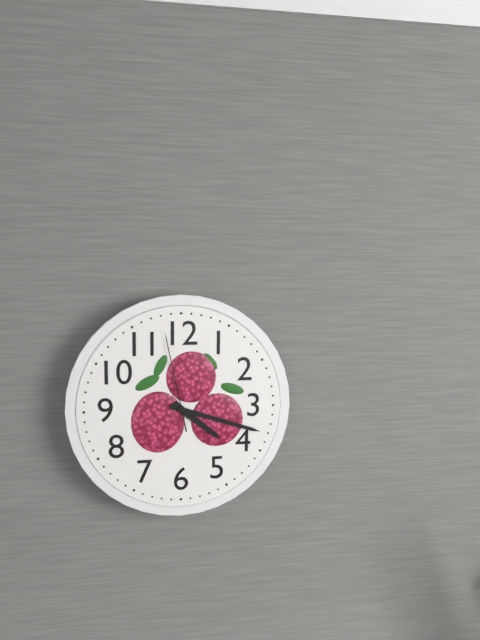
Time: h=4 m=18 s=58
